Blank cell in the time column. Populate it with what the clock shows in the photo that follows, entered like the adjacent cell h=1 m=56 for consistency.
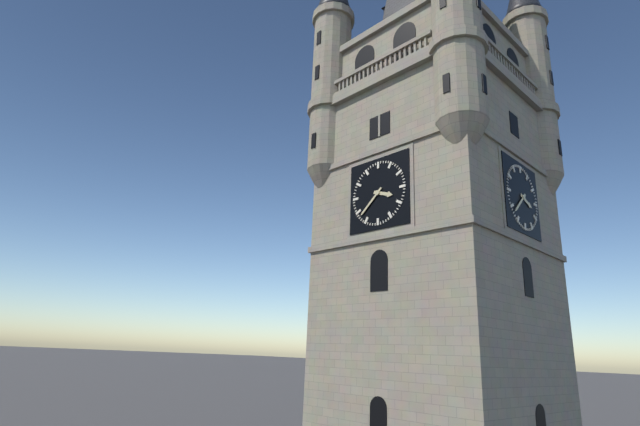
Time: h=3 m=38
